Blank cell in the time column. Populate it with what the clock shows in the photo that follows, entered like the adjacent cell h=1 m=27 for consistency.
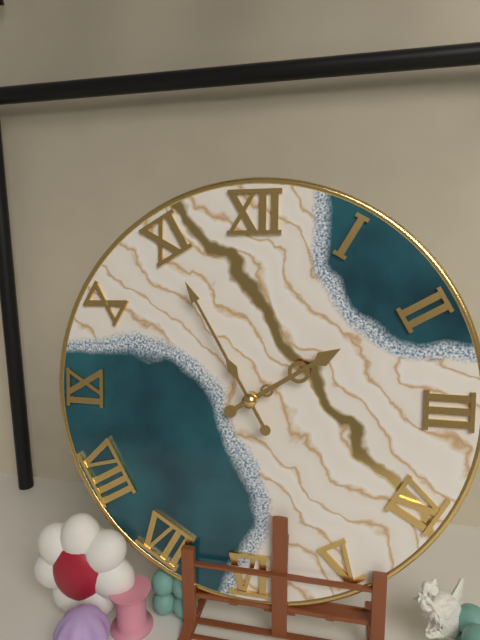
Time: h=1 m=55
